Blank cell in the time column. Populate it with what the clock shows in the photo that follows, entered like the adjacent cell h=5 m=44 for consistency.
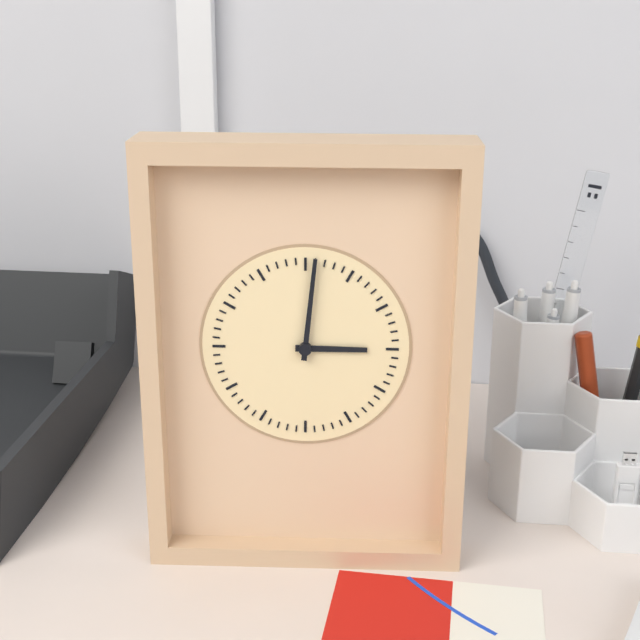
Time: h=3 m=1
